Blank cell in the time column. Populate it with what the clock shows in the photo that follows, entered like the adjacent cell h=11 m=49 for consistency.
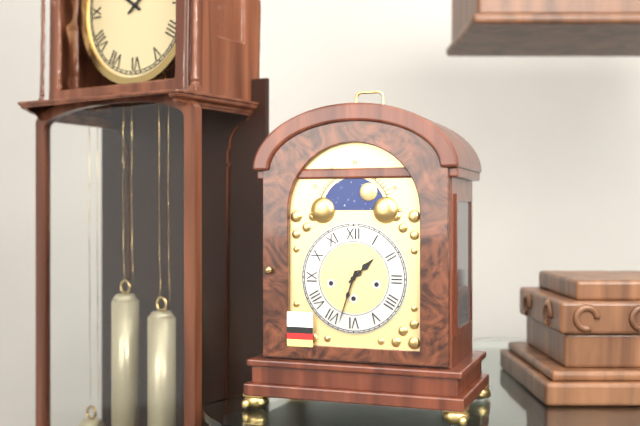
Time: h=1 m=33
